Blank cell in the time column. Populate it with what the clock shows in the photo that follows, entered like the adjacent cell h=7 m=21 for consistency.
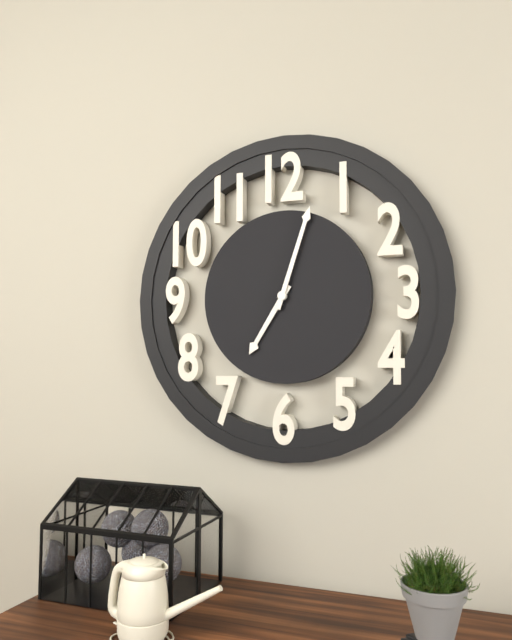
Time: h=7 m=3
